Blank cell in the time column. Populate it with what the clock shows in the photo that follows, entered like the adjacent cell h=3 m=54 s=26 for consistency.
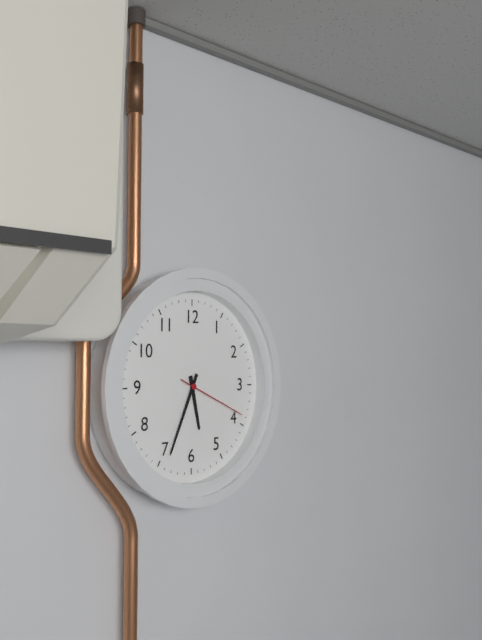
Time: h=5 m=34 s=19
